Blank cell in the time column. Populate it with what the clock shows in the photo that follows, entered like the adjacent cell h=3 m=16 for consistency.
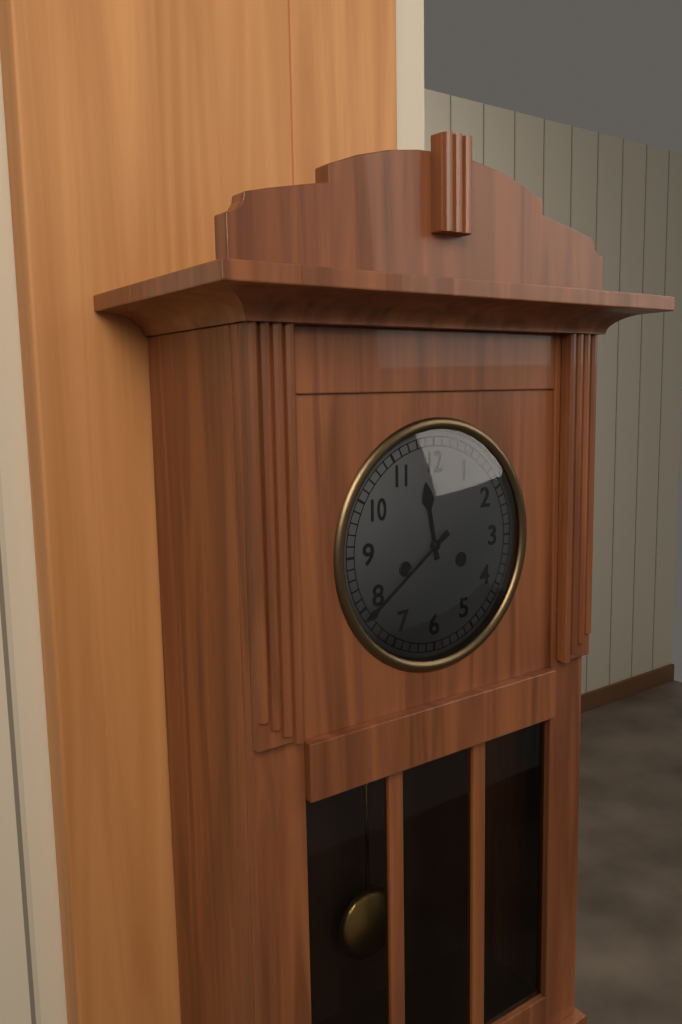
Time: h=11 m=39
